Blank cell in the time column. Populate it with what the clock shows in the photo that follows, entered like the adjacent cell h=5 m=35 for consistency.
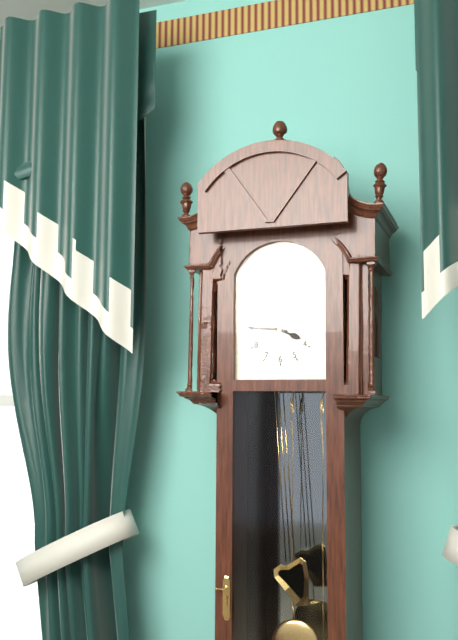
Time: h=3 m=46
